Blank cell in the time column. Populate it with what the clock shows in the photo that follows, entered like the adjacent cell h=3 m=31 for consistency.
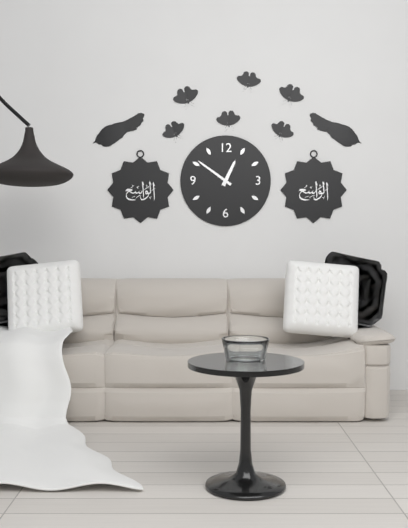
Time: h=12 m=51
